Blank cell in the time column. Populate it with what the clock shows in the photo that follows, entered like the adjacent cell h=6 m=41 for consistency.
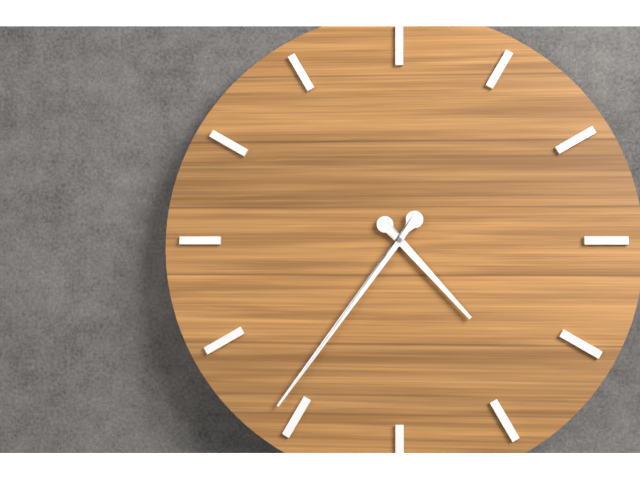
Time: h=4 m=36
